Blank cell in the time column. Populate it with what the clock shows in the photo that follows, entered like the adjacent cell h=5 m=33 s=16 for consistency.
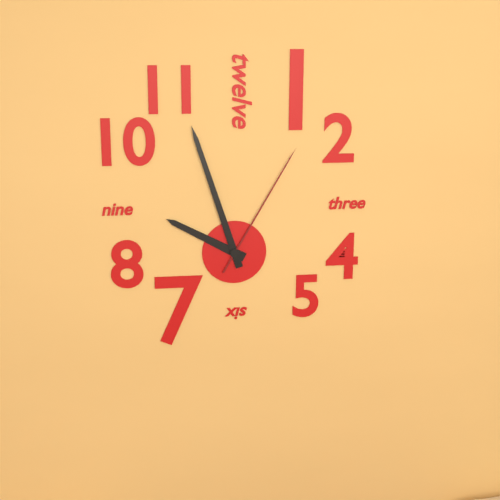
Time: h=9 m=57 s=5
